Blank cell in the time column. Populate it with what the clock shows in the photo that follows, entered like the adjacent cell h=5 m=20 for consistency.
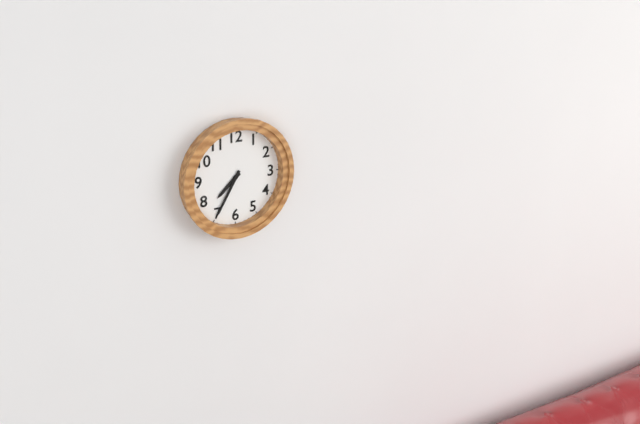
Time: h=7 m=35
